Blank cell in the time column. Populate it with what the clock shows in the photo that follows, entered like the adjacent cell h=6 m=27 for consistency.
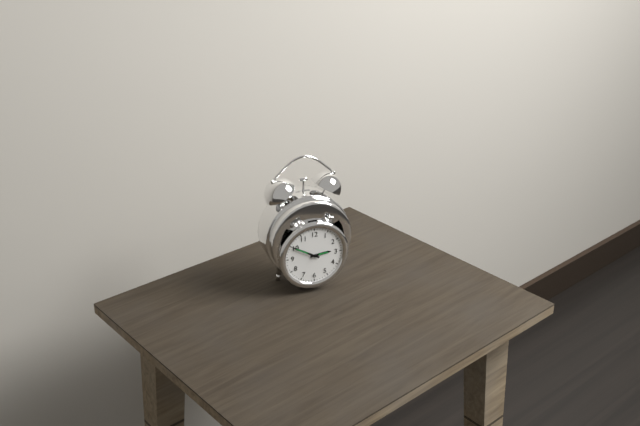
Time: h=2 m=50
